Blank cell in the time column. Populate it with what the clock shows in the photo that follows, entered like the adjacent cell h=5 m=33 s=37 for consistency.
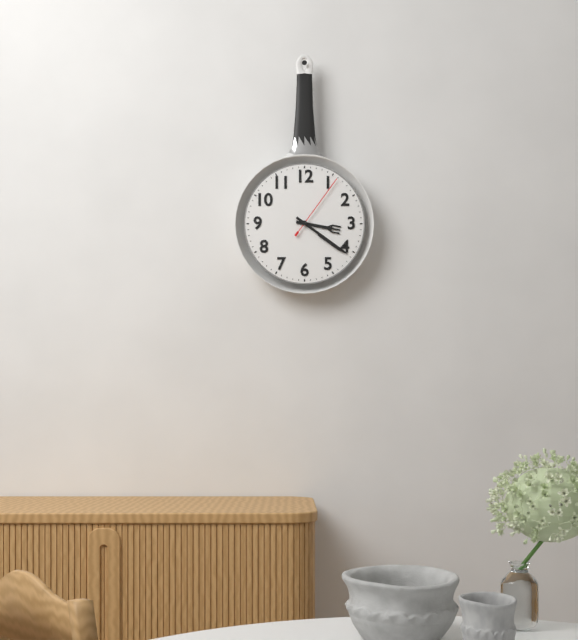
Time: h=3 m=21 s=6
